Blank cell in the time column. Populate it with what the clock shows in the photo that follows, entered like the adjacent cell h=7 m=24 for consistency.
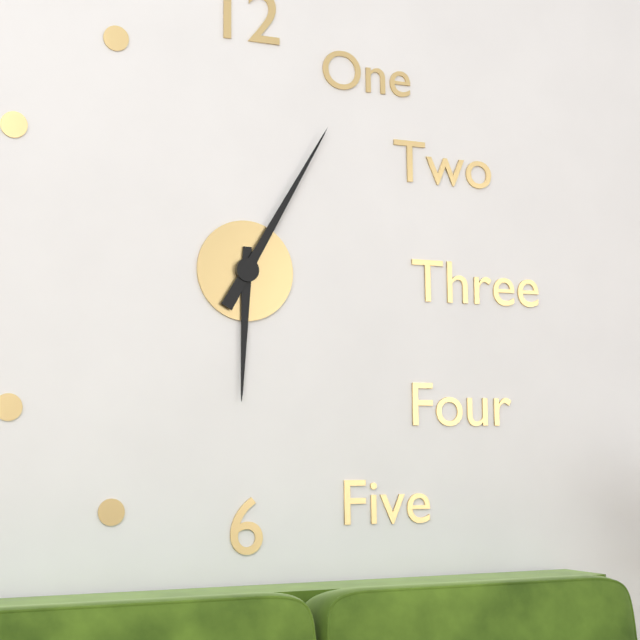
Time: h=6 m=5
